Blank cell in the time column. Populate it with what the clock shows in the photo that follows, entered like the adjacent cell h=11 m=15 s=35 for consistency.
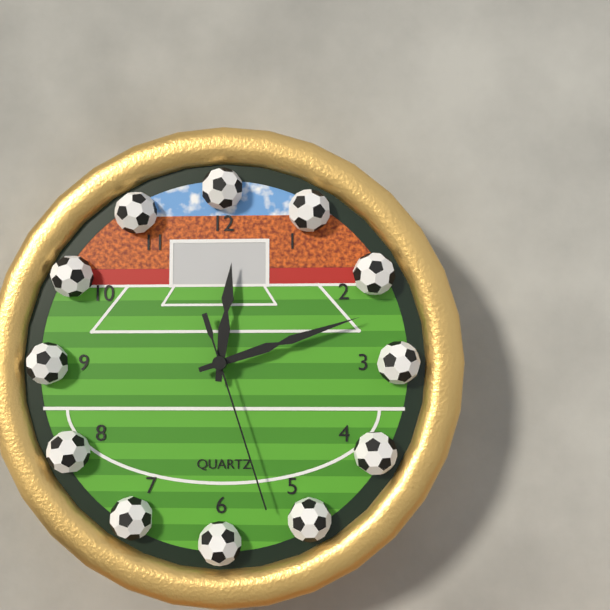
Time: h=12 m=12 s=27
